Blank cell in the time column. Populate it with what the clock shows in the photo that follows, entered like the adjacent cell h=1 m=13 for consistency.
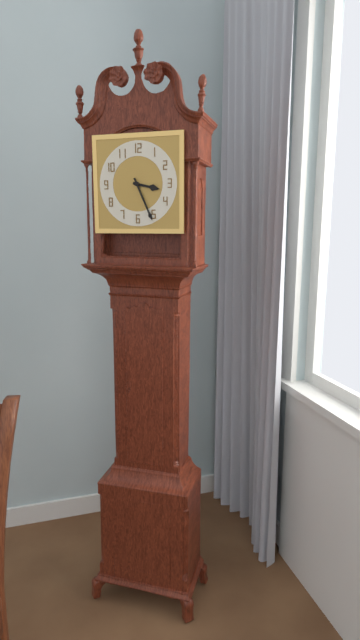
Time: h=3 m=26
